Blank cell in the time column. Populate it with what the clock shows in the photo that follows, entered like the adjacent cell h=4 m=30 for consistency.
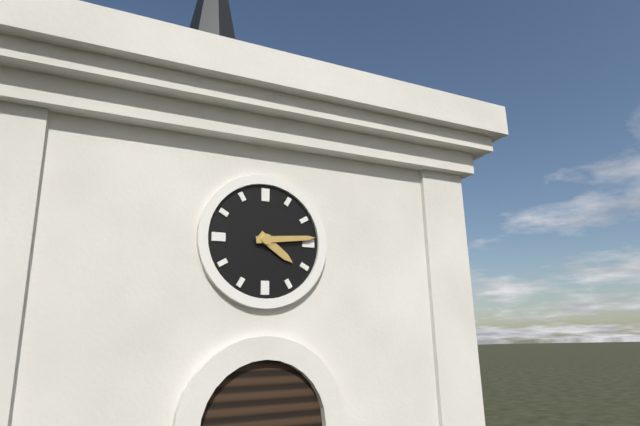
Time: h=4 m=14
